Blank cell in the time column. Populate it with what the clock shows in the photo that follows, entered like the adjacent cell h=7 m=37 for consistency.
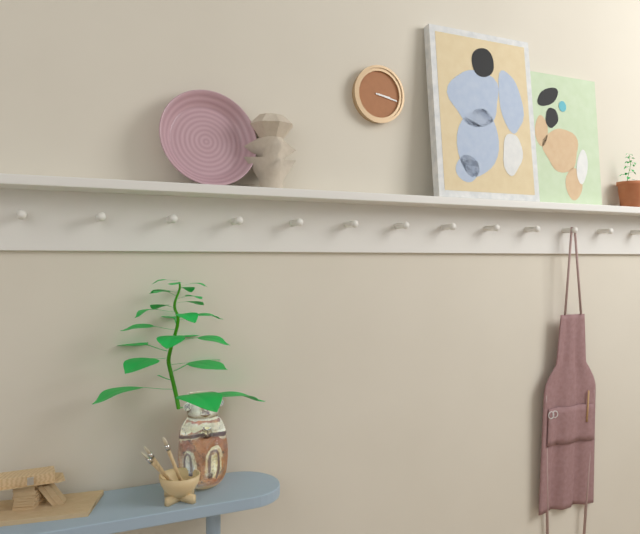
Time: h=3 m=17
